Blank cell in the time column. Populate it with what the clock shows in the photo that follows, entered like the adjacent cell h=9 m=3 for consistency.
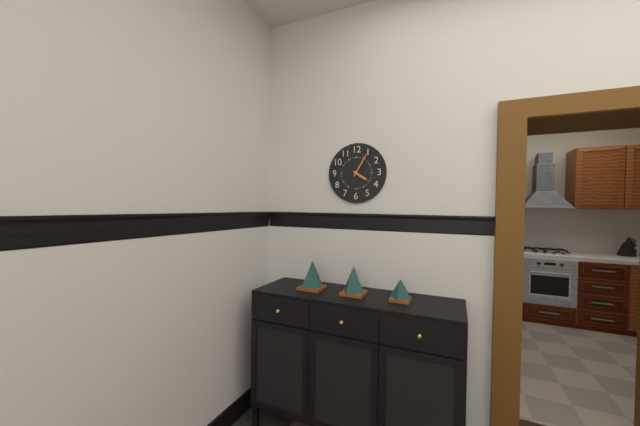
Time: h=4 m=5
